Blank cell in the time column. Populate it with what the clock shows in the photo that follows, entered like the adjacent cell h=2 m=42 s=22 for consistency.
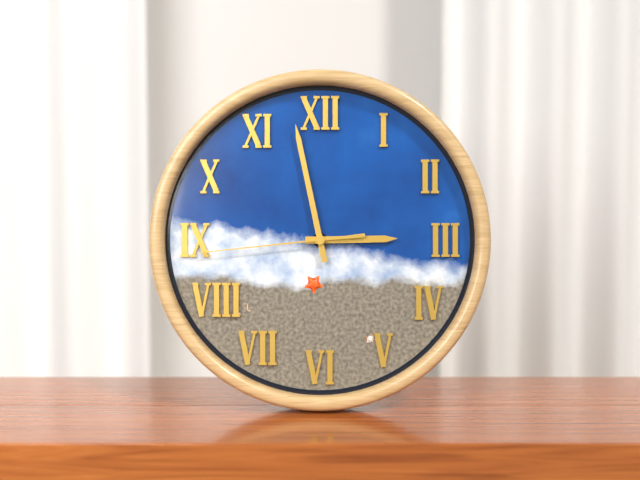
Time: h=2 m=58 s=44
